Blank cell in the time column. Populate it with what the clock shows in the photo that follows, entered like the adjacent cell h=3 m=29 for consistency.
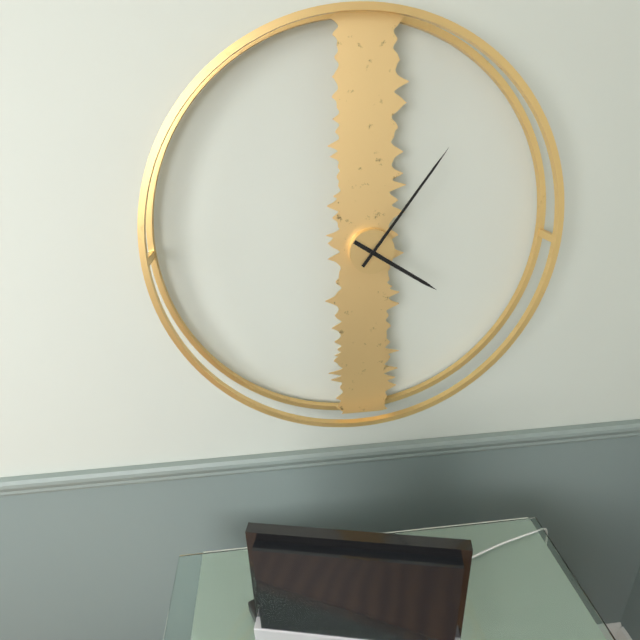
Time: h=4 m=6
